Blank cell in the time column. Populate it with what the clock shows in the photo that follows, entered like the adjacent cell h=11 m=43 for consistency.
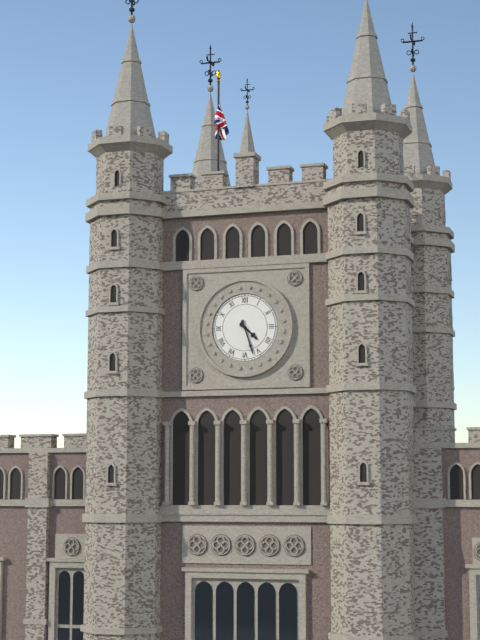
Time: h=4 m=27
